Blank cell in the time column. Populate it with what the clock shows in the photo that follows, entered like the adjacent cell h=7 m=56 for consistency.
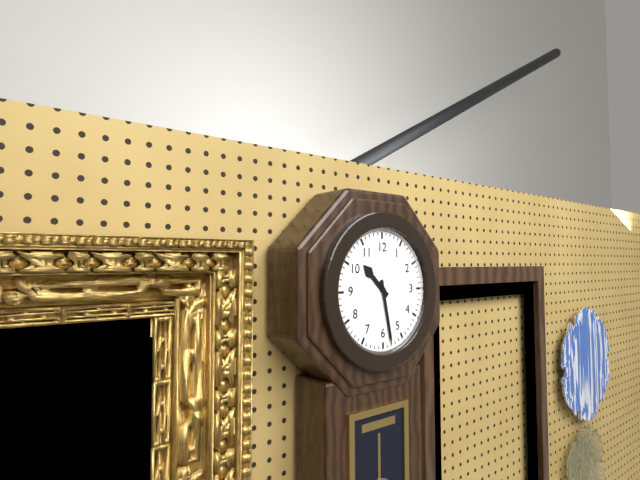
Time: h=10 m=28
